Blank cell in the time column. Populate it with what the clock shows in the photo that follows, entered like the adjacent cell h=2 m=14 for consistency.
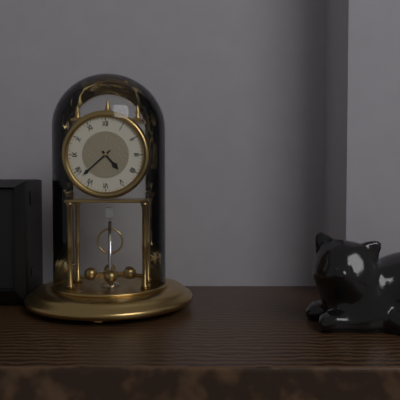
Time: h=4 m=38
